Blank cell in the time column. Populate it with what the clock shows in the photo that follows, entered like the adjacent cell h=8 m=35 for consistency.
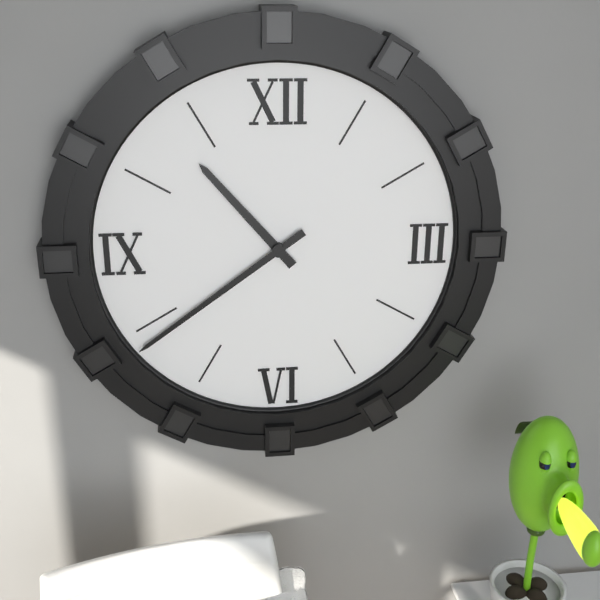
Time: h=10 m=39
